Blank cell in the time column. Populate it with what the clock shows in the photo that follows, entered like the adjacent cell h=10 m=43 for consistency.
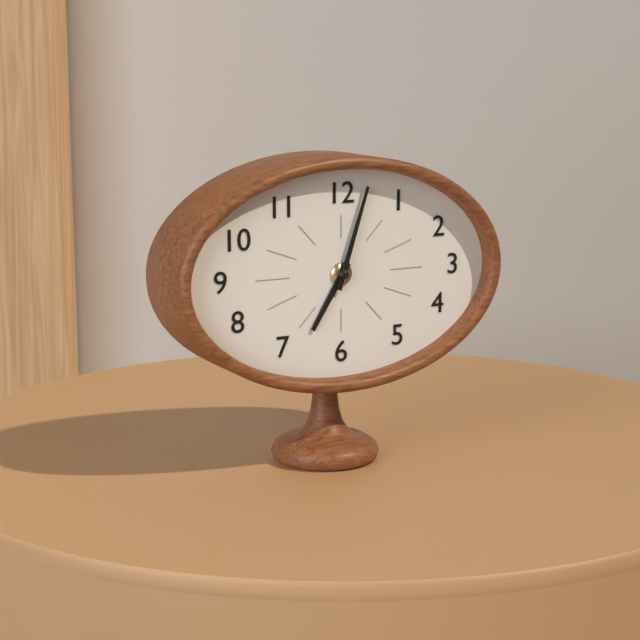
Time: h=7 m=3
